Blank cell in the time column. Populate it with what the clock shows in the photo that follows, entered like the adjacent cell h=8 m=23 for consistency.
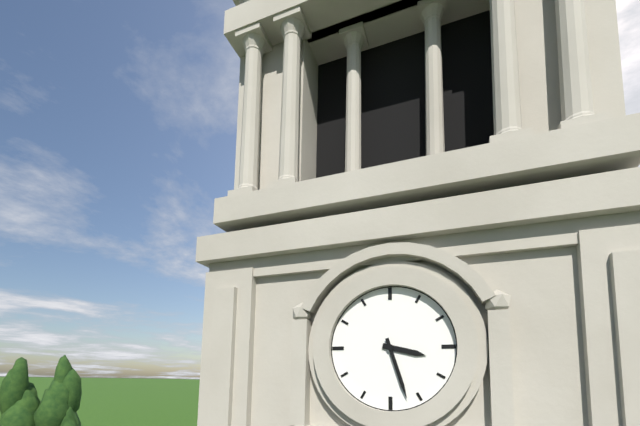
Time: h=3 m=27
